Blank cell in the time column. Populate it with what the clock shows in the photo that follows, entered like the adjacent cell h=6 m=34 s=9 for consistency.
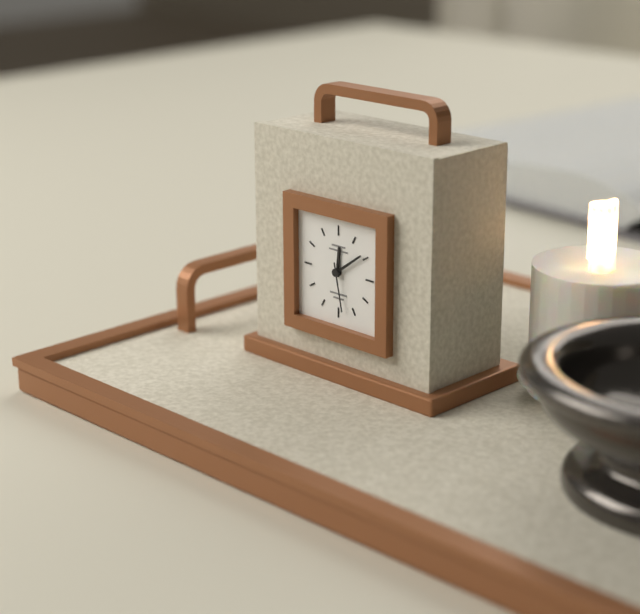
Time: h=12 m=9 s=28
